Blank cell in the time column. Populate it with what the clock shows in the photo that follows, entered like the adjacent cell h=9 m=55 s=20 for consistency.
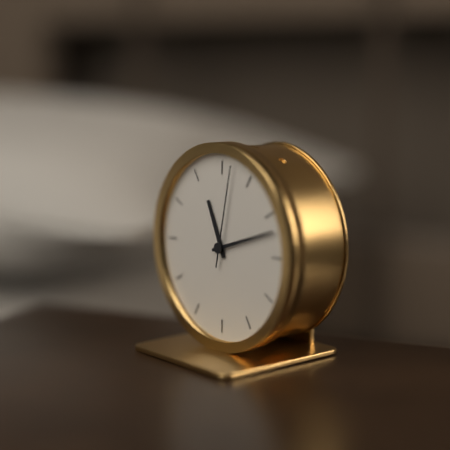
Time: h=11 m=12 s=2
